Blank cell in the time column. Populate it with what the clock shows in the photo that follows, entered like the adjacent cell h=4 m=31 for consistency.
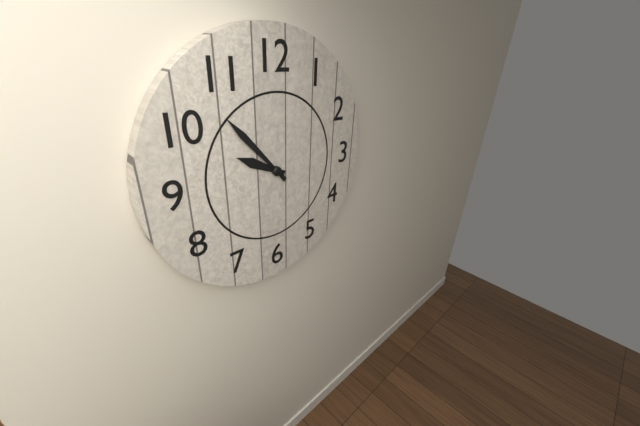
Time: h=9 m=53
